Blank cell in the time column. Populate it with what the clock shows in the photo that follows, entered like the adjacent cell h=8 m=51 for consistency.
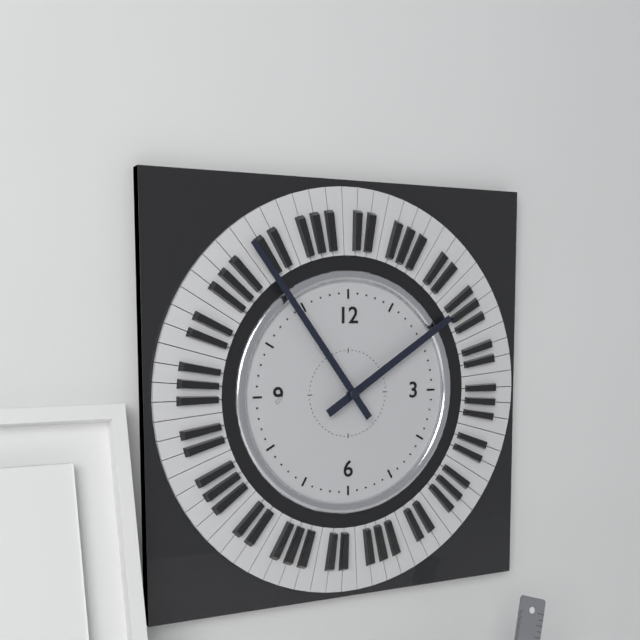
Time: h=1 m=54
